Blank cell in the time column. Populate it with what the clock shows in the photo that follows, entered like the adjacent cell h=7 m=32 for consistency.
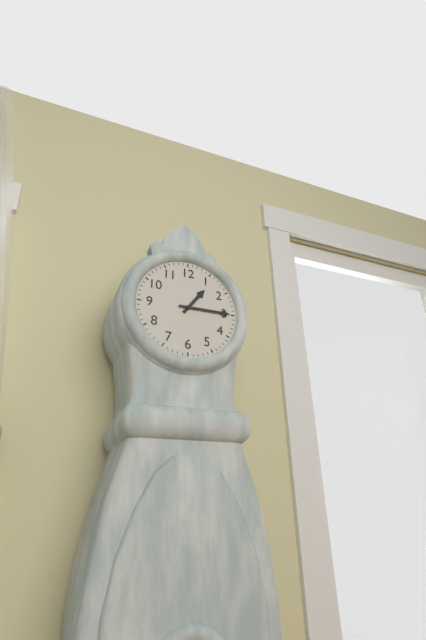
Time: h=1 m=15
